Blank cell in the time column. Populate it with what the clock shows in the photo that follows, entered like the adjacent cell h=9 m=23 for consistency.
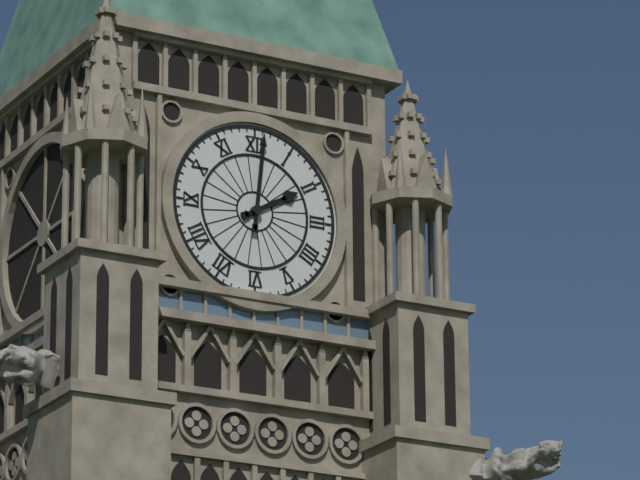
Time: h=2 m=1
